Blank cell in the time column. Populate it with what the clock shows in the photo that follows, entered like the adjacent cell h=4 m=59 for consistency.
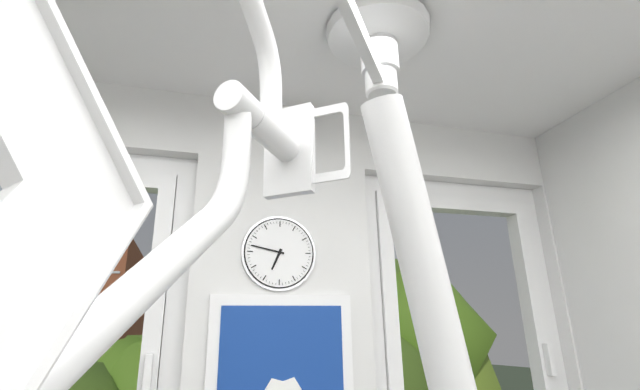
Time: h=6 m=47
